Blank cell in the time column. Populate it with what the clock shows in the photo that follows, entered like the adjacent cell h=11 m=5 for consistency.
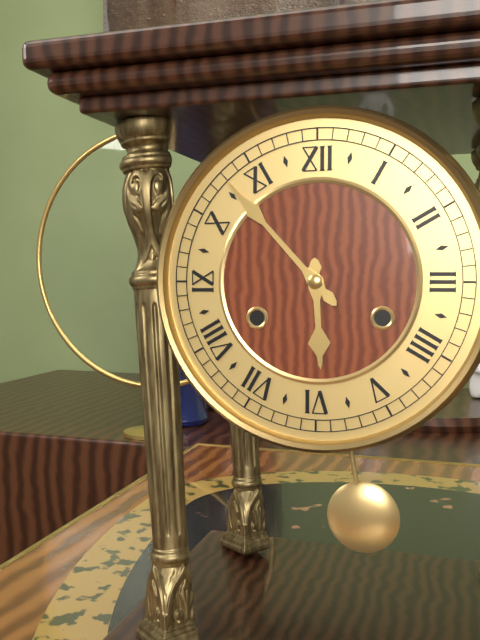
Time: h=5 m=53
